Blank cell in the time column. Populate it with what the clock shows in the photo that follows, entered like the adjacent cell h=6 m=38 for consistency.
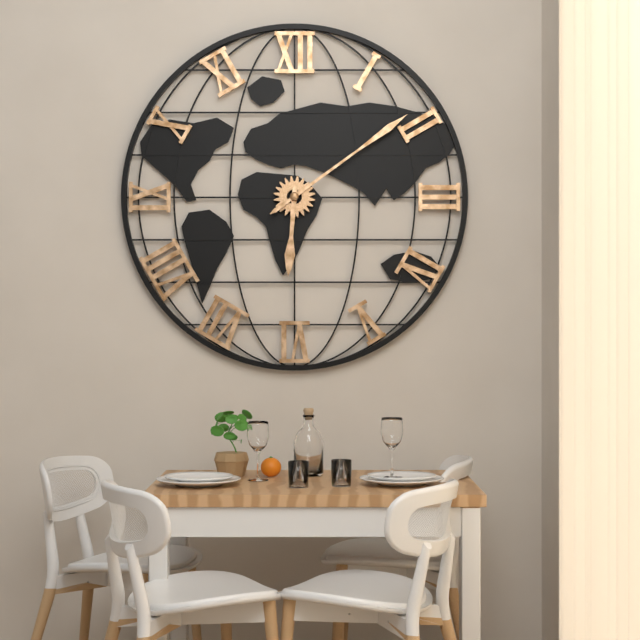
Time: h=6 m=9
